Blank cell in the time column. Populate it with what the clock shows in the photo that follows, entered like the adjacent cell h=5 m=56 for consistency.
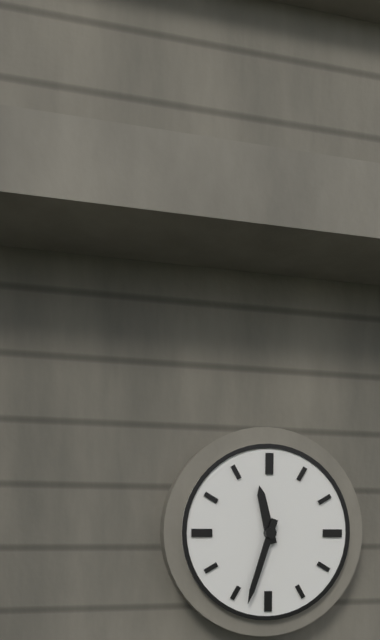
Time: h=11 m=33
